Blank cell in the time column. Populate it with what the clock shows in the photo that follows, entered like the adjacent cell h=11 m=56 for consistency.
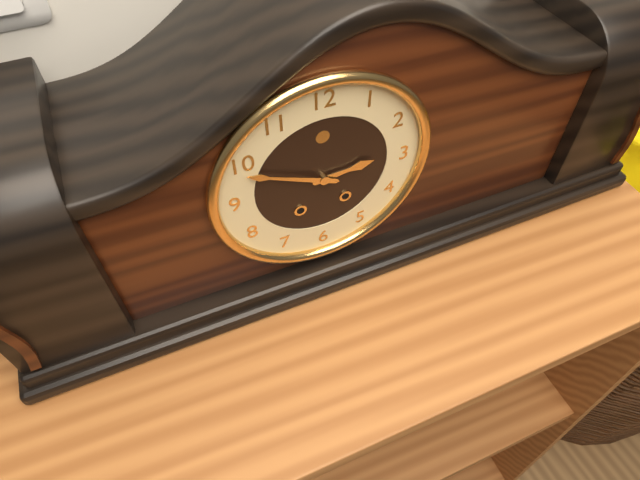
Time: h=2 m=49
